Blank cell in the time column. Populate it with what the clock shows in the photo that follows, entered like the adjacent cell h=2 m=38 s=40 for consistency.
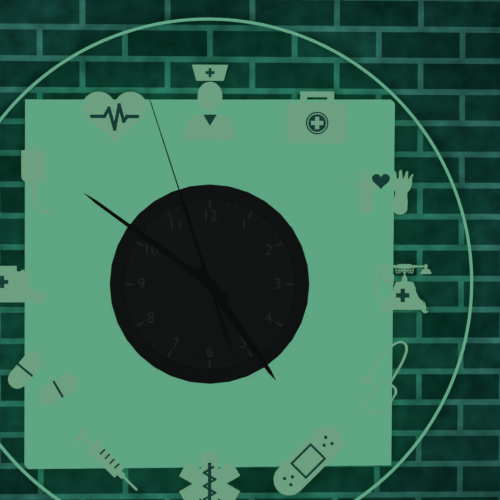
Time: h=4 m=51 s=57
